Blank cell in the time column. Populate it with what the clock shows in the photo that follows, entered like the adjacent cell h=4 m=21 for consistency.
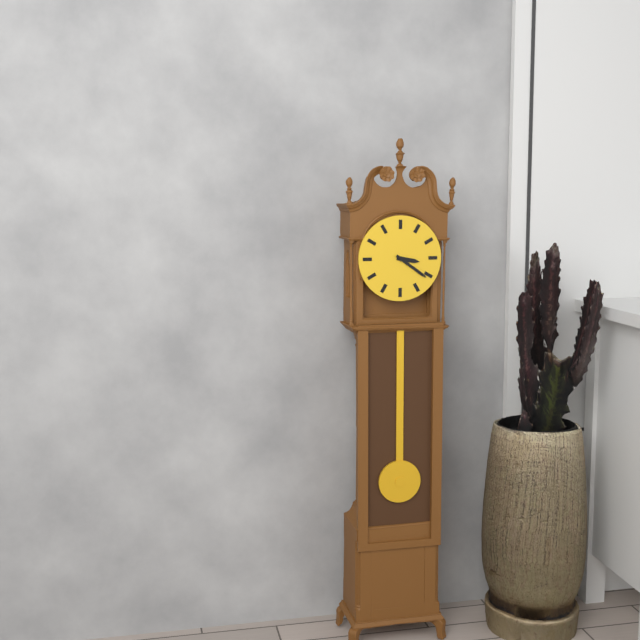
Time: h=3 m=21
